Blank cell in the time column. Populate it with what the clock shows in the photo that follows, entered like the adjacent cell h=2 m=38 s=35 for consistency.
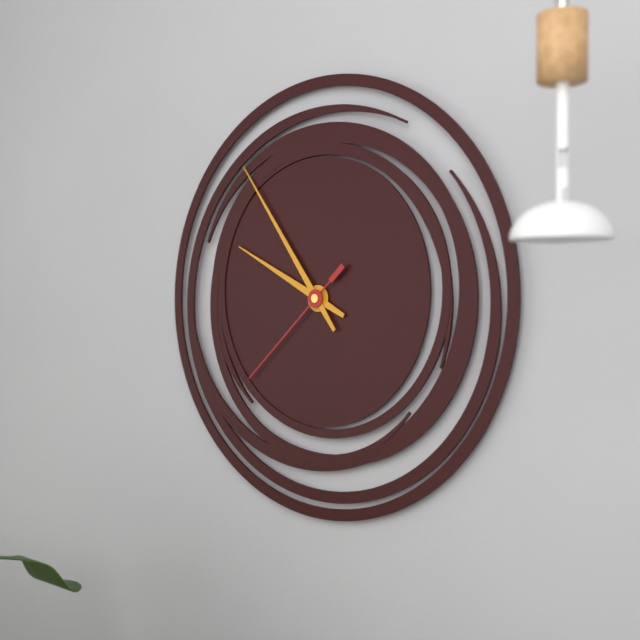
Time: h=9 m=54 s=38
